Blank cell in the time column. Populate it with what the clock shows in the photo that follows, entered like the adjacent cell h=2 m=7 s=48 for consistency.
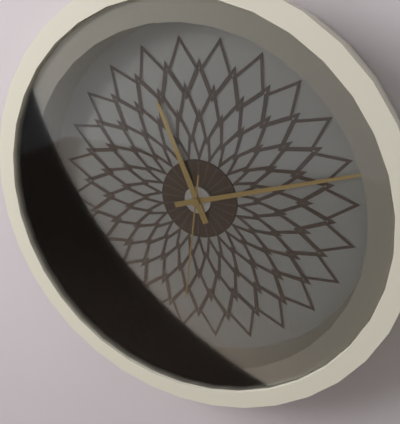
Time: h=11 m=12 s=31
